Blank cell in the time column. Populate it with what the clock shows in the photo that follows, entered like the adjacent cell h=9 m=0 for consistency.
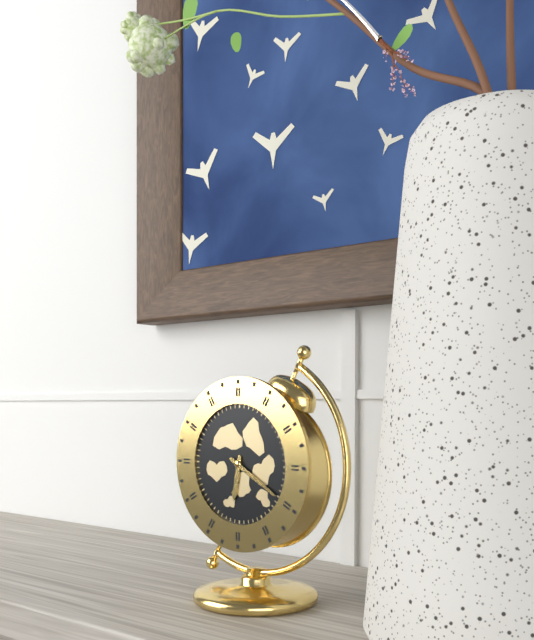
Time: h=6 m=20
